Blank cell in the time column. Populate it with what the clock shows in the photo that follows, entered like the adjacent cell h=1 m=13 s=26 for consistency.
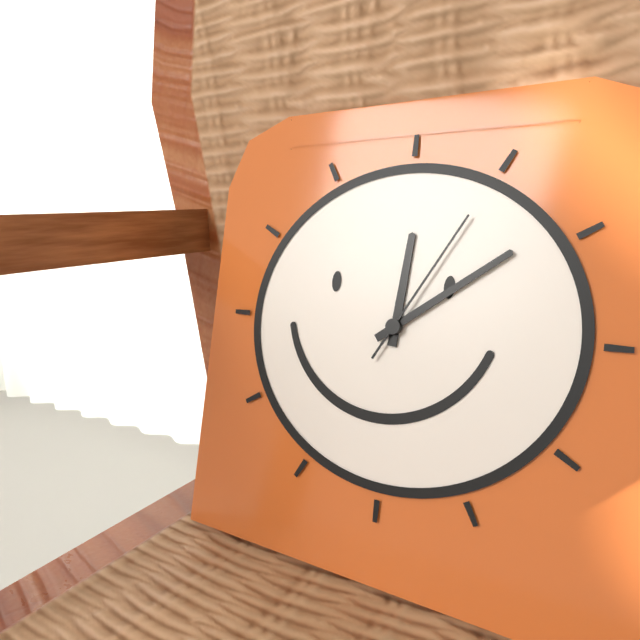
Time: h=12 m=9 s=5
